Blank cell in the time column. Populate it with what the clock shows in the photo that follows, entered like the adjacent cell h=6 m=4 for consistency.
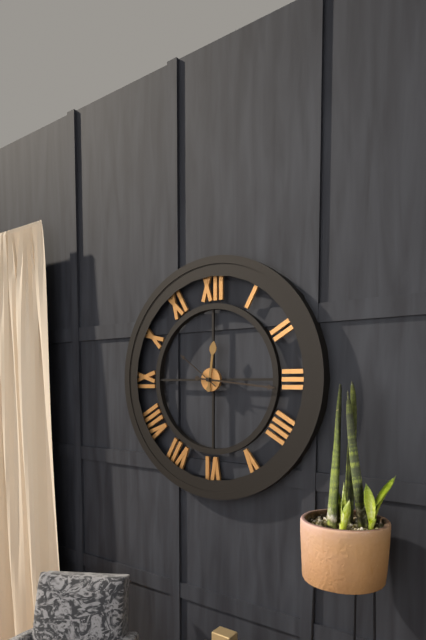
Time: h=12 m=16
